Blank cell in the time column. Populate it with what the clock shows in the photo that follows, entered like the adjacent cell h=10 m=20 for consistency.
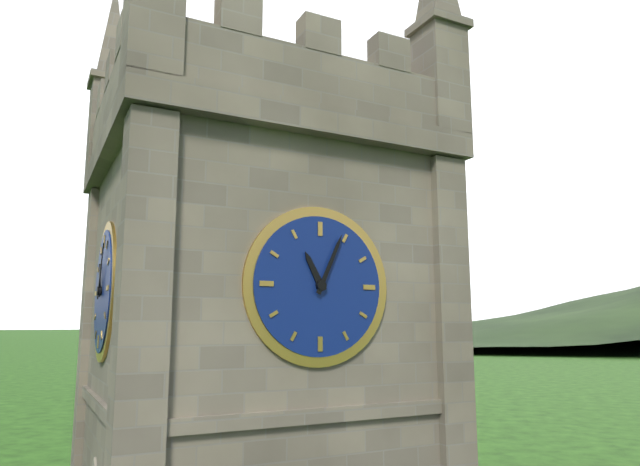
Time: h=11 m=4
